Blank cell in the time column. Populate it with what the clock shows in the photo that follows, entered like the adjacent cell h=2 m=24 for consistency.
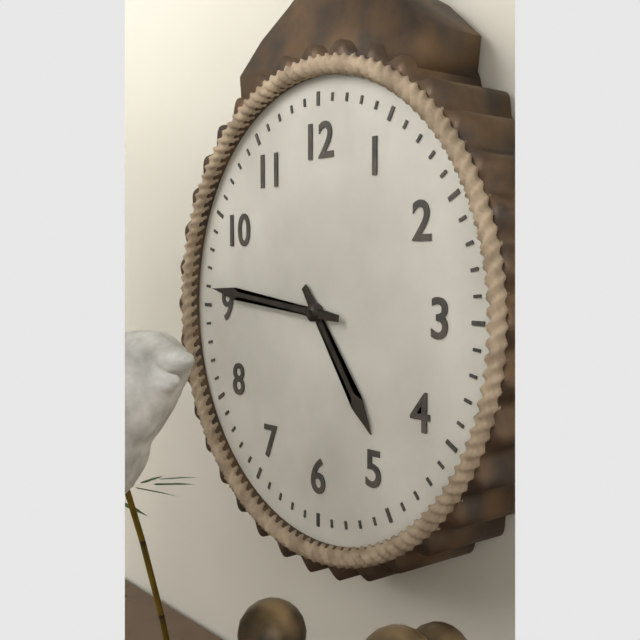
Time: h=4 m=46
